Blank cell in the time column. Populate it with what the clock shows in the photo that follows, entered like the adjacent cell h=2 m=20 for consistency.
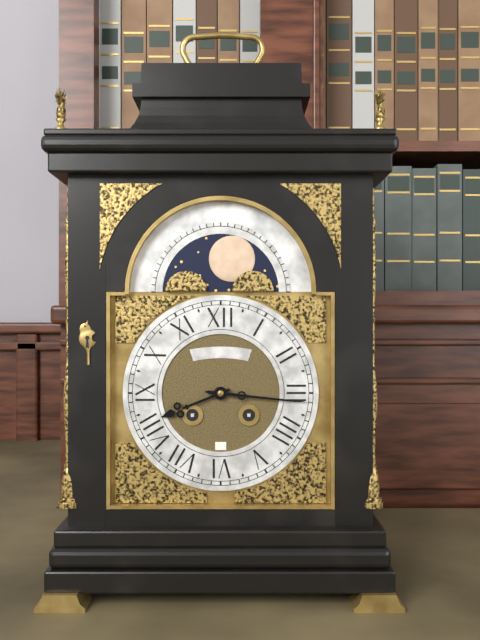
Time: h=8 m=16
